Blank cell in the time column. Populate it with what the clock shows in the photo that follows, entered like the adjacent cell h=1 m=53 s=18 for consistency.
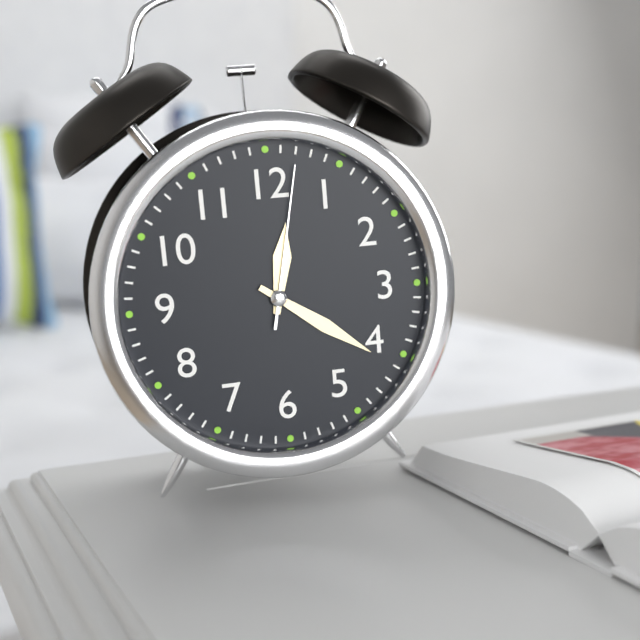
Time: h=12 m=21 s=2
